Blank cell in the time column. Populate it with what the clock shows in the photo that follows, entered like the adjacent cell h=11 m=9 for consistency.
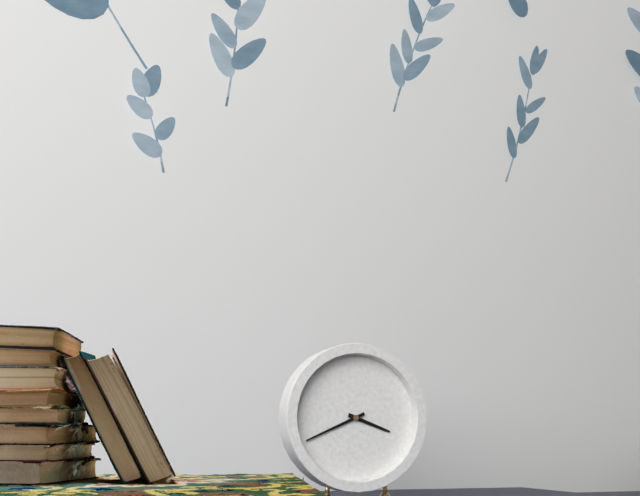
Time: h=3 m=41
